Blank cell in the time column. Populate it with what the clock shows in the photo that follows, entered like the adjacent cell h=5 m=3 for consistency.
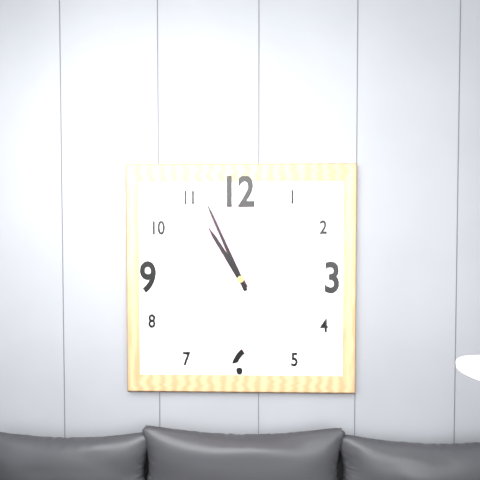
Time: h=10 m=56
